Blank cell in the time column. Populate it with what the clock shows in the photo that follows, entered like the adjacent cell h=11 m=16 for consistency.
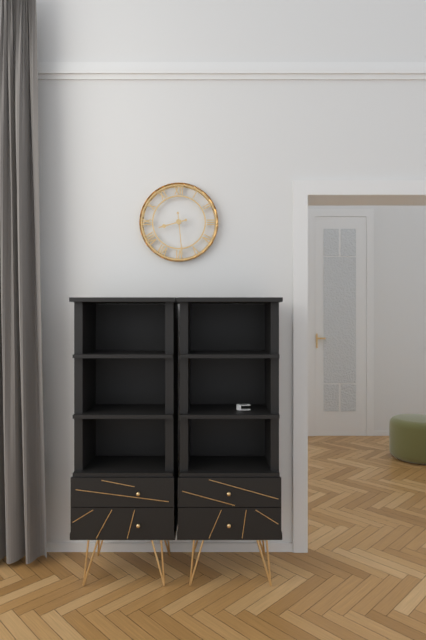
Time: h=8 m=29
